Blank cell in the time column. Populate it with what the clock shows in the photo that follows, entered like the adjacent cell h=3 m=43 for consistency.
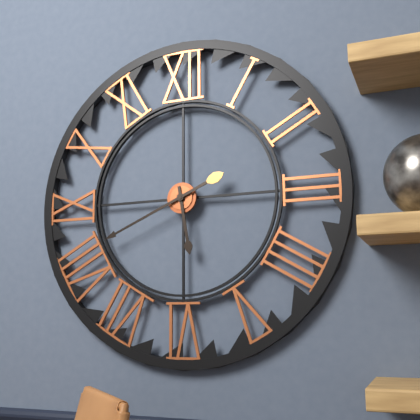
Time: h=5 m=41
